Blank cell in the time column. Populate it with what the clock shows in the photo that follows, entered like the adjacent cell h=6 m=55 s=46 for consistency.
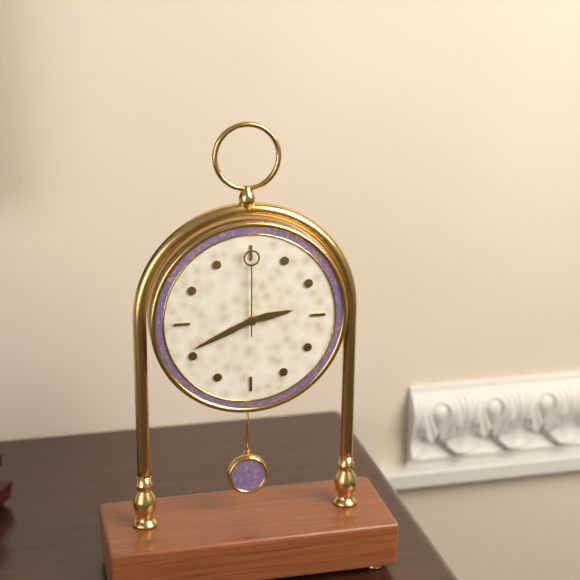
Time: h=2 m=41 s=0
